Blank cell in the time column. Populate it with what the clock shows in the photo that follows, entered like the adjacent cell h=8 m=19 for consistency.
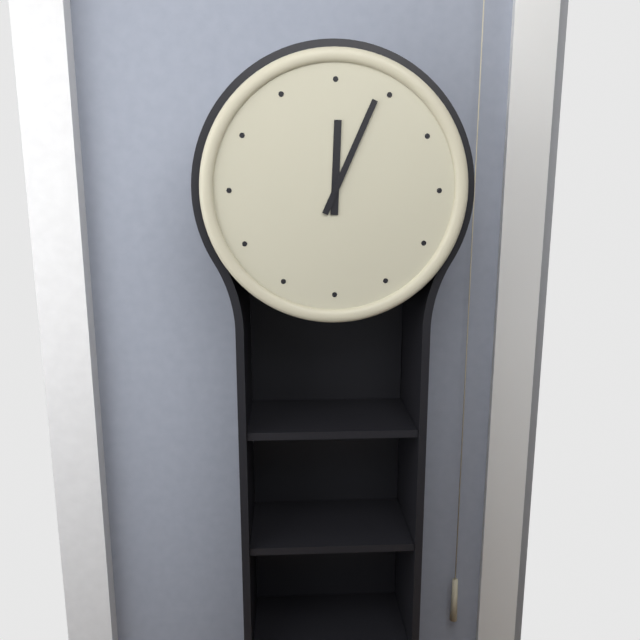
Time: h=12 m=4
